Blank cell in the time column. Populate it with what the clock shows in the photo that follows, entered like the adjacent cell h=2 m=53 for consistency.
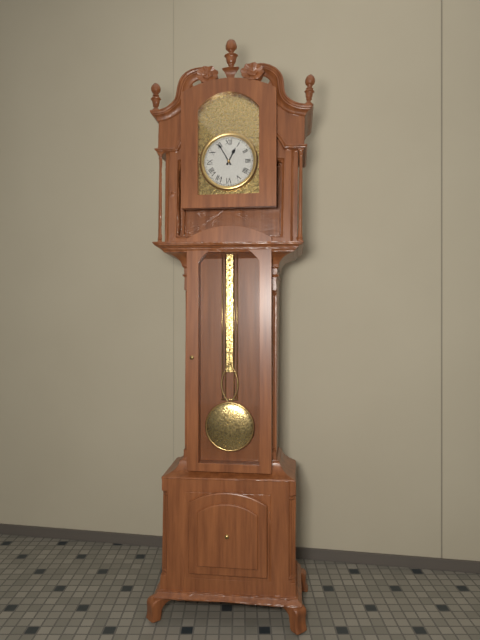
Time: h=12 m=55
